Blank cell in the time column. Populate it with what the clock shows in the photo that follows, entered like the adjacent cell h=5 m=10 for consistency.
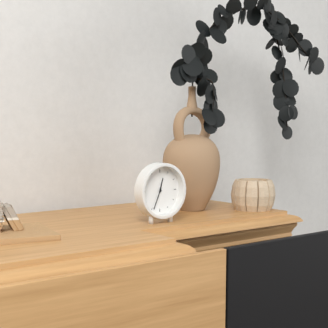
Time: h=12 m=34
